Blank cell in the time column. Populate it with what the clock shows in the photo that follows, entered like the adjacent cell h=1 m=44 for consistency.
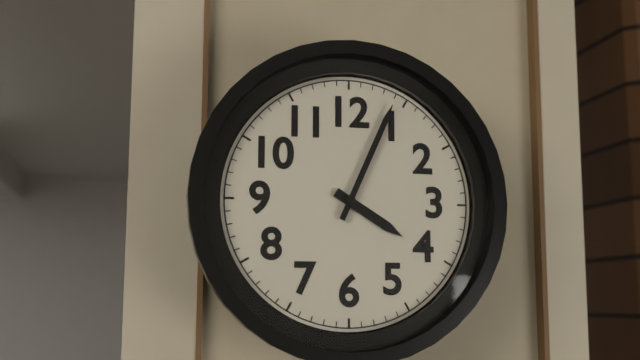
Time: h=4 m=4
